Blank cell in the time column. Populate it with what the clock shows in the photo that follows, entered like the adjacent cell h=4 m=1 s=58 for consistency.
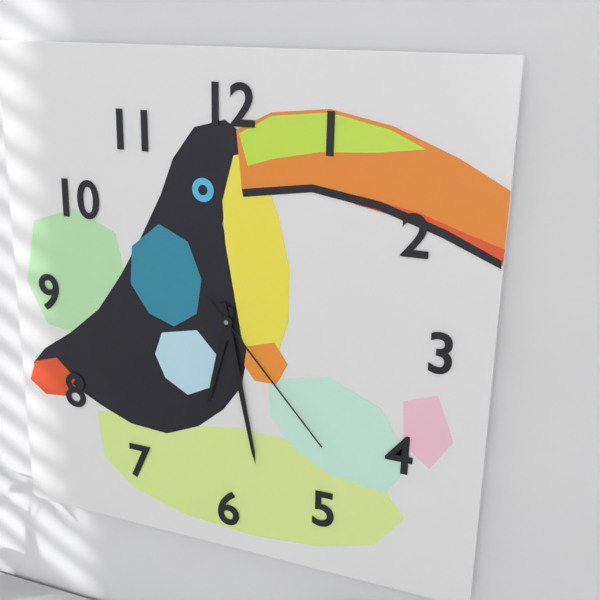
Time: h=6 m=28 s=23
